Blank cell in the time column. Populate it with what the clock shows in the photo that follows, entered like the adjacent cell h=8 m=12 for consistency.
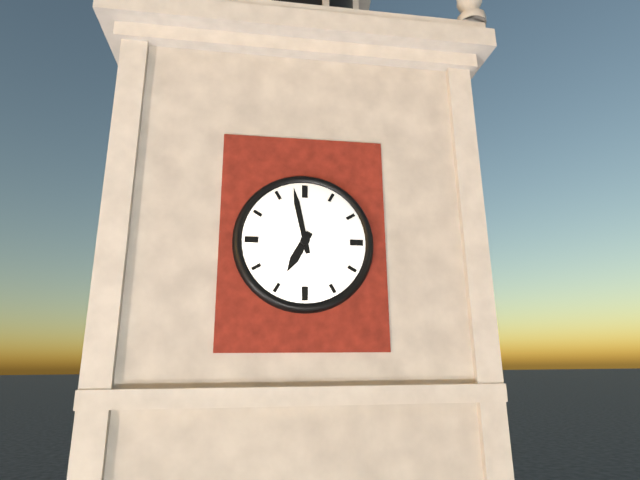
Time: h=6 m=58
